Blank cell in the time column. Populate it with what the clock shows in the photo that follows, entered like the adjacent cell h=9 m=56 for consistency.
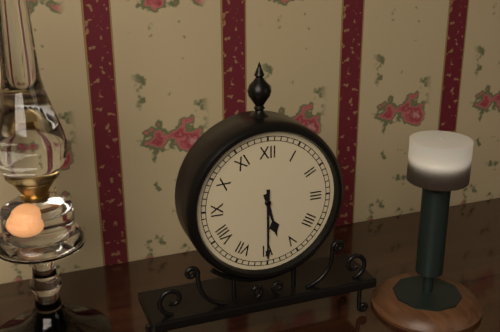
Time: h=5 m=30
